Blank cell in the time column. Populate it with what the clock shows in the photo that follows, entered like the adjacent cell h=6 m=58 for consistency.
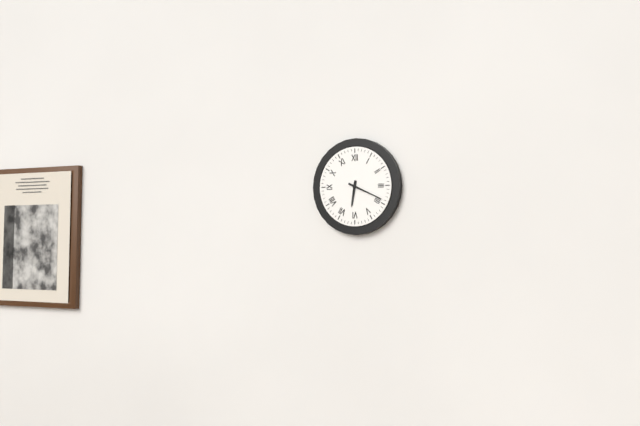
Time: h=6 m=19
